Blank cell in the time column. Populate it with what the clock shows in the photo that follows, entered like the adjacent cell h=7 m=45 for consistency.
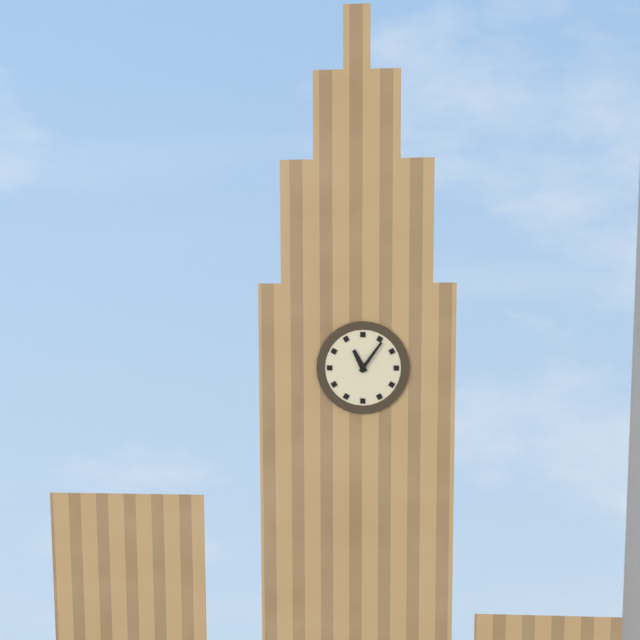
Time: h=11 m=6
